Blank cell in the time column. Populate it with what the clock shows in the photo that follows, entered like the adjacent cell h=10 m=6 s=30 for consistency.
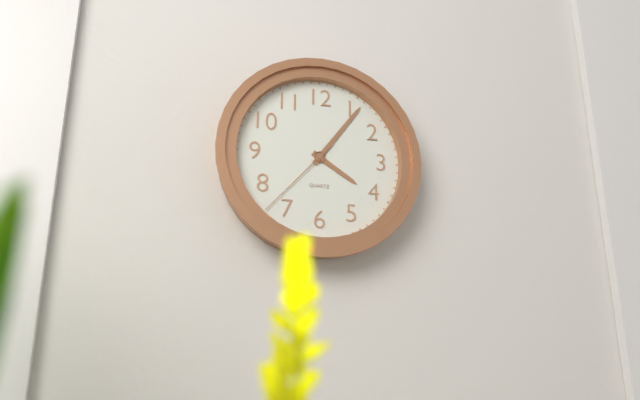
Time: h=4 m=6 s=37
